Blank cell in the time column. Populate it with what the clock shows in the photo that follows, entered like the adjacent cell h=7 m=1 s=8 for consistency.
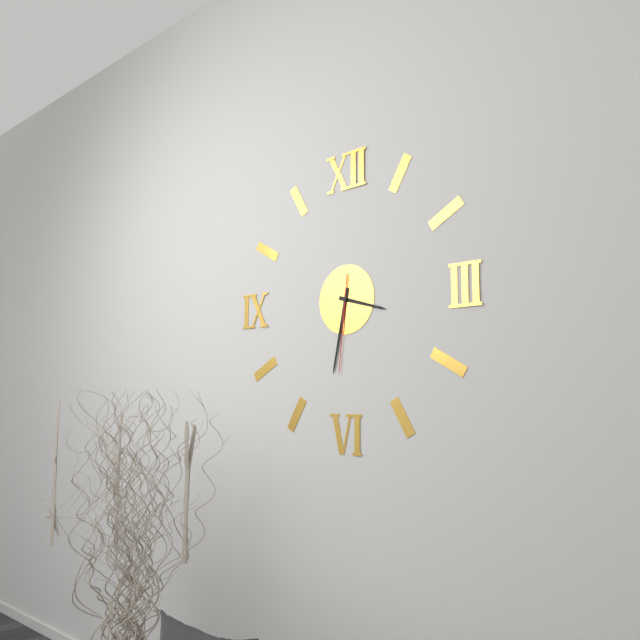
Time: h=3 m=32 s=31
